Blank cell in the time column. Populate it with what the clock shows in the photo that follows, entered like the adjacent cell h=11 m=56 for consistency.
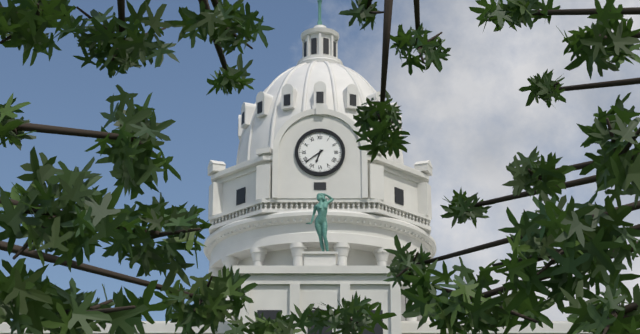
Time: h=6 m=39
